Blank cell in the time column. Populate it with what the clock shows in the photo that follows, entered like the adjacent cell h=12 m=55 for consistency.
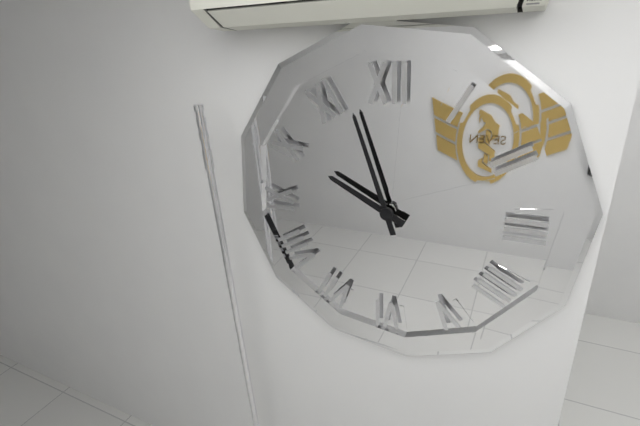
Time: h=9 m=57
